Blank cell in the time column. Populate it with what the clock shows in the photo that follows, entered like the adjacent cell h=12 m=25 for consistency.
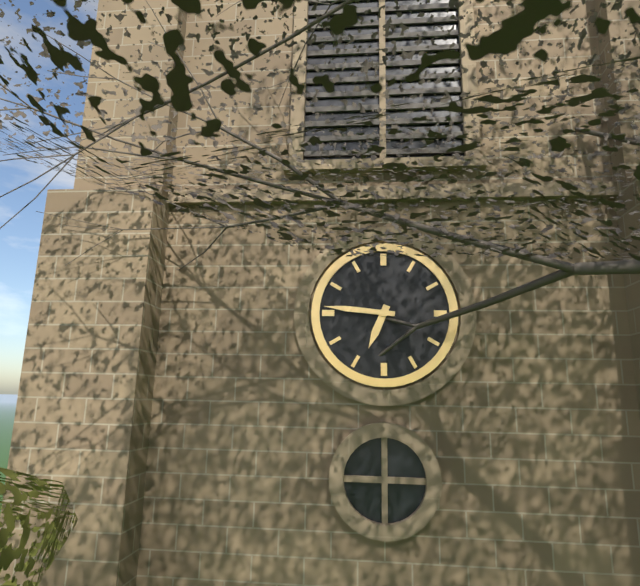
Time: h=6 m=46
